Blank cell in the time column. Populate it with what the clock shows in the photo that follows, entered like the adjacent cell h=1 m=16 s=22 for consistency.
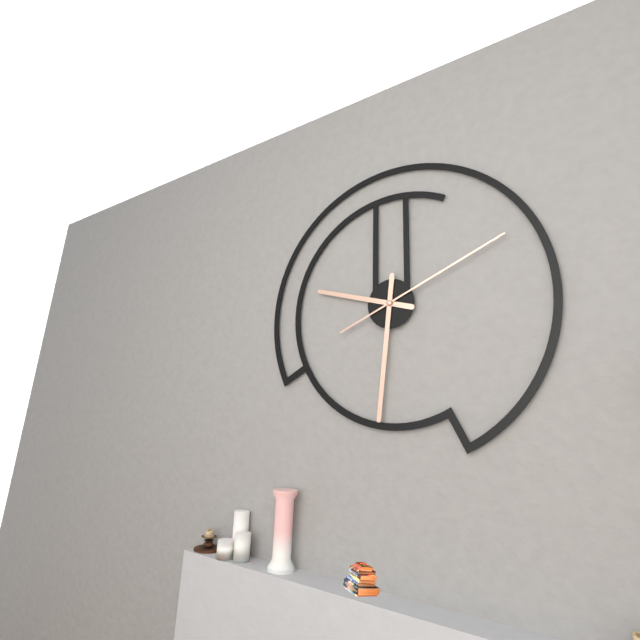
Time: h=9 m=31 s=11
